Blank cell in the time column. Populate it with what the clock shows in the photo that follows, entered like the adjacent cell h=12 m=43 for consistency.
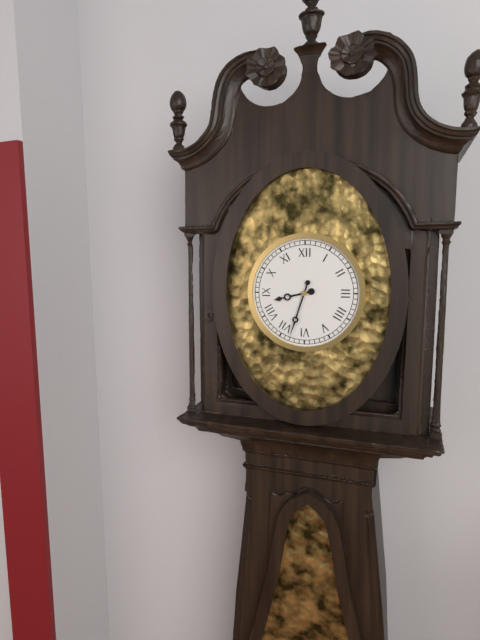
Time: h=8 m=33
